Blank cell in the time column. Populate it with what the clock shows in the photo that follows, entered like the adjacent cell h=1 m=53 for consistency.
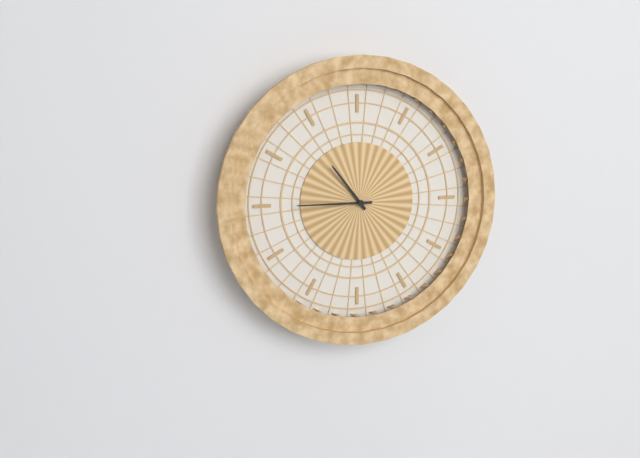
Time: h=10 m=45
